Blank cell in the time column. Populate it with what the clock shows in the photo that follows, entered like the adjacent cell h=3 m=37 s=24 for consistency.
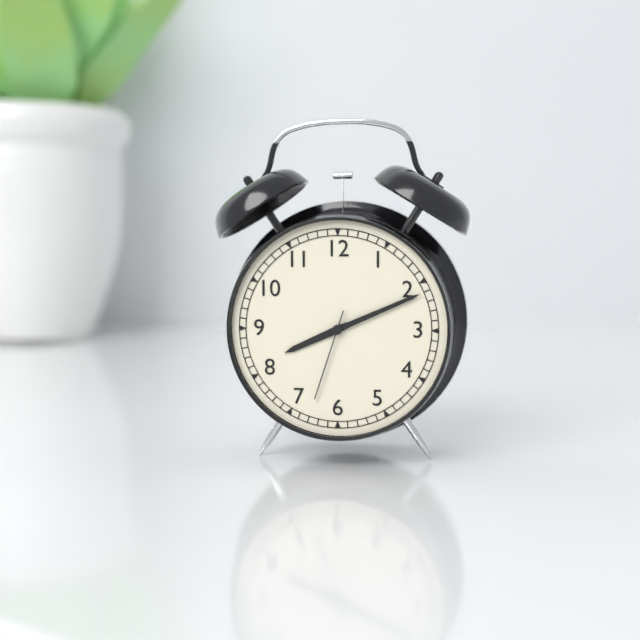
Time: h=8 m=11 s=33
